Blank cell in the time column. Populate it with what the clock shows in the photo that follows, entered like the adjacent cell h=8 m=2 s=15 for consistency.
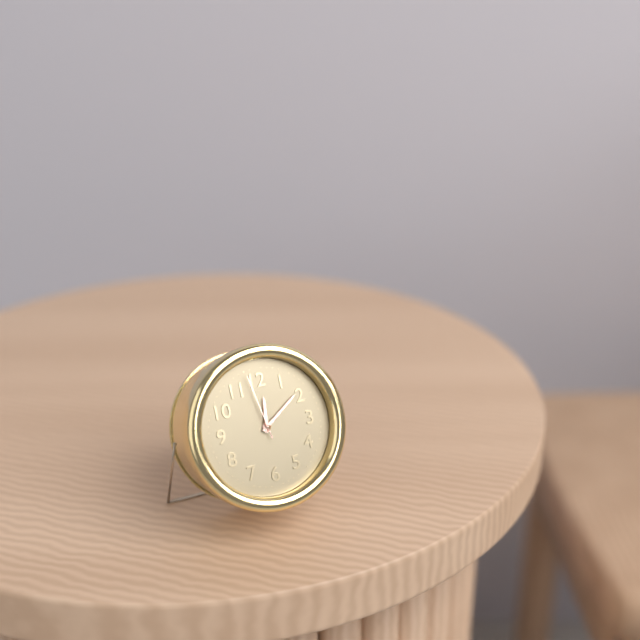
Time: h=12 m=9 s=58
